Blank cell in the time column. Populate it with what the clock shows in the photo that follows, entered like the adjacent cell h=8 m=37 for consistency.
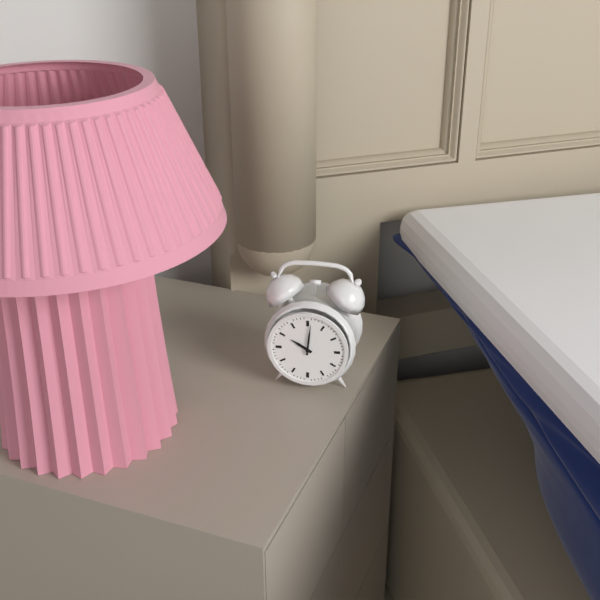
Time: h=10 m=1
